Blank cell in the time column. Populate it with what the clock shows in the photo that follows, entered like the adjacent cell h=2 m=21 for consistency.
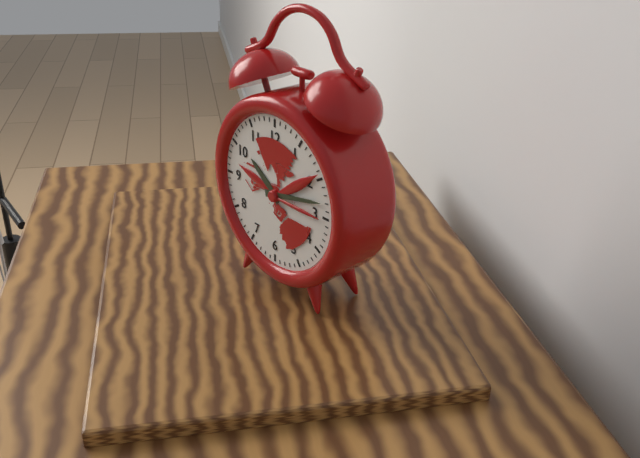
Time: h=10 m=13
